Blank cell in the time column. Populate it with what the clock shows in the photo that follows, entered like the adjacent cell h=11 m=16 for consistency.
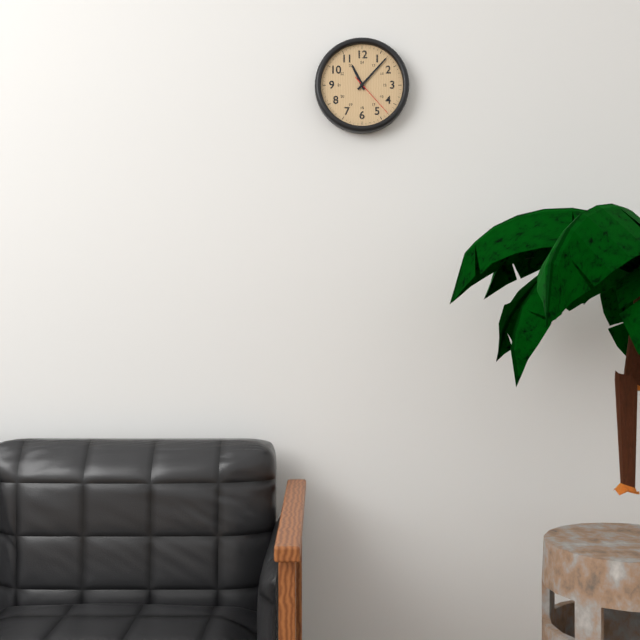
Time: h=11 m=7
